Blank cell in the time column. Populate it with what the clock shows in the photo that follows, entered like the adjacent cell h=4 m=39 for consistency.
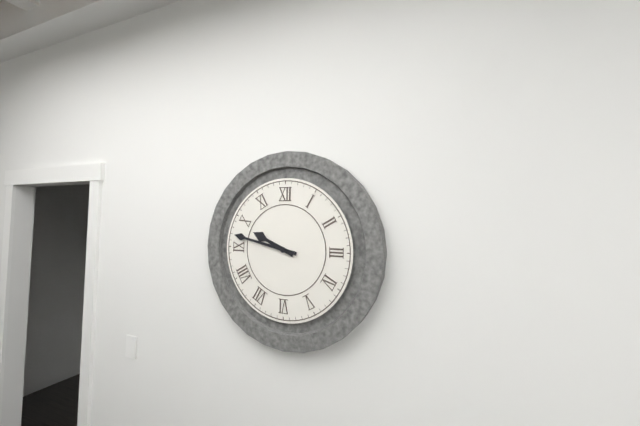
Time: h=9 m=47
